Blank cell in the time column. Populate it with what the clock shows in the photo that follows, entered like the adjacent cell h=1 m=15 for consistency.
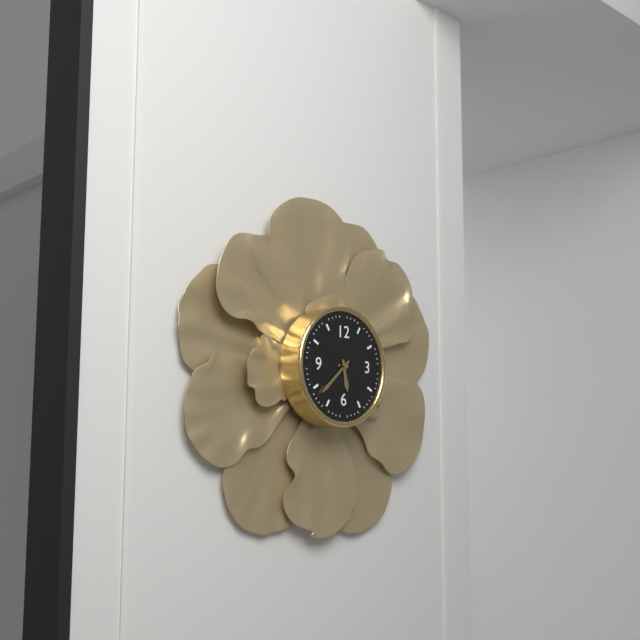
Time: h=5 m=38
